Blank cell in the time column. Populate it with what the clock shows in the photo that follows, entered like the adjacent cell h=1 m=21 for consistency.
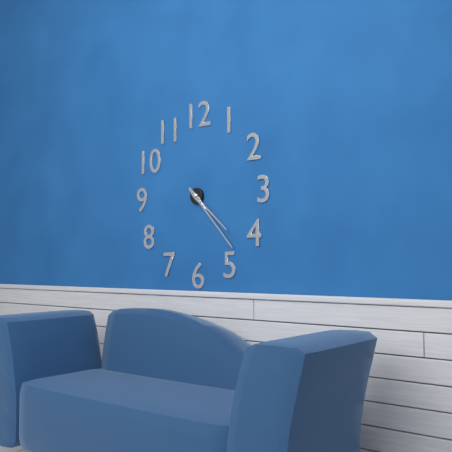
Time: h=4 m=23
